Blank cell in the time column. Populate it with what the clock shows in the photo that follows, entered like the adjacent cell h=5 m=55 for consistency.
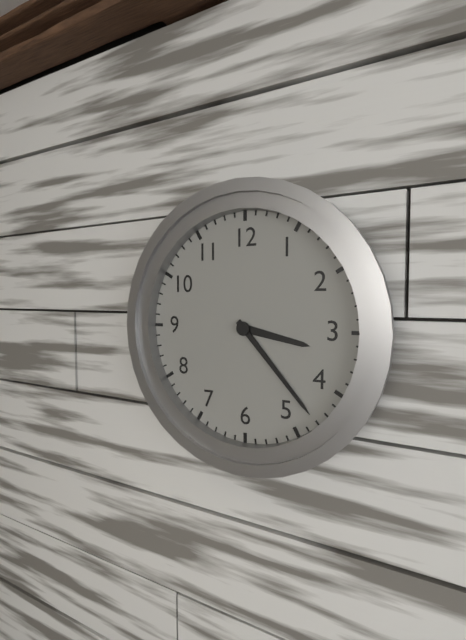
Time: h=3 m=23
